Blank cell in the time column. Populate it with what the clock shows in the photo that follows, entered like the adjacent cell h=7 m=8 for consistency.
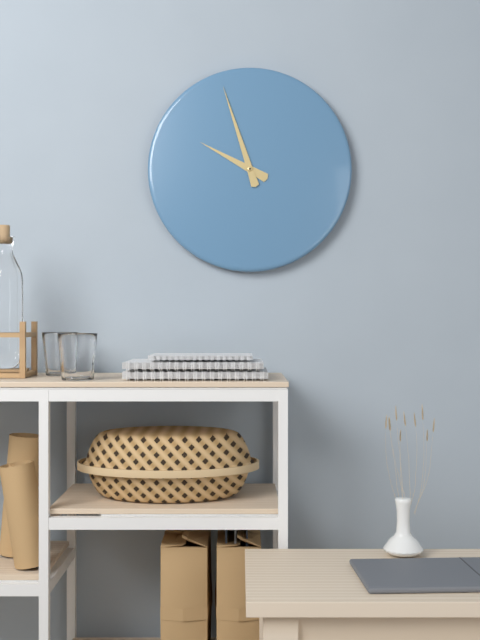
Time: h=9 m=57
